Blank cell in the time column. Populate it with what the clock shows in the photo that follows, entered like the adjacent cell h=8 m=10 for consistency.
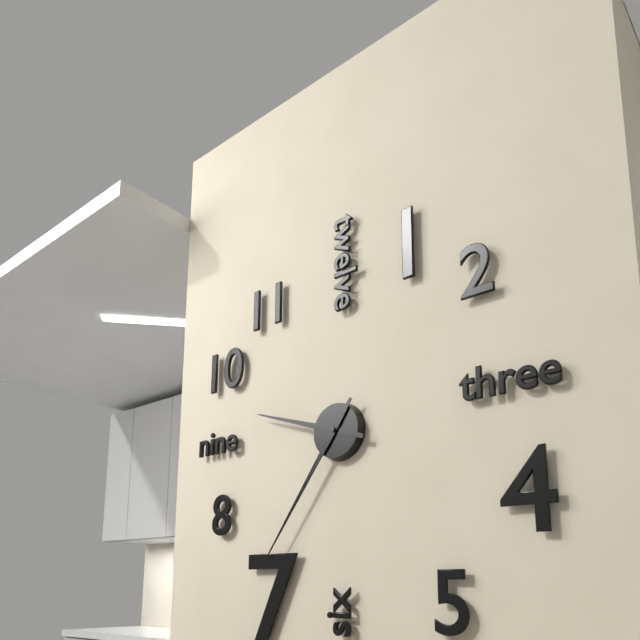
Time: h=9 m=36
